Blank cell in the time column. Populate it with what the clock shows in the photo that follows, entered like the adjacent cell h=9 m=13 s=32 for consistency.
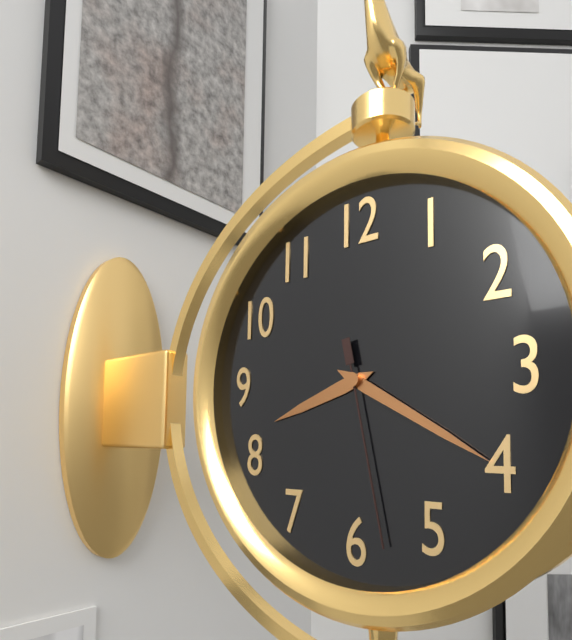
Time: h=8 m=20 s=28
